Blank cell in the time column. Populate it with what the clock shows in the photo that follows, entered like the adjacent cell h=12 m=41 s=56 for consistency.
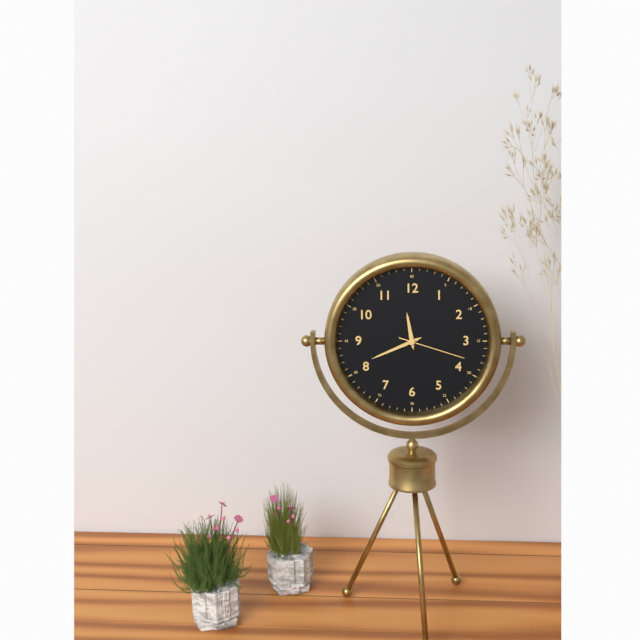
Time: h=11 m=41 s=18
